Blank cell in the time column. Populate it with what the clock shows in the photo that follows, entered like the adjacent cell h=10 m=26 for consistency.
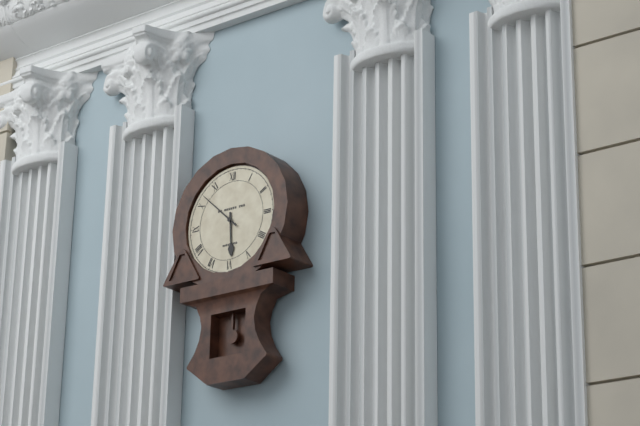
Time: h=5 m=52
